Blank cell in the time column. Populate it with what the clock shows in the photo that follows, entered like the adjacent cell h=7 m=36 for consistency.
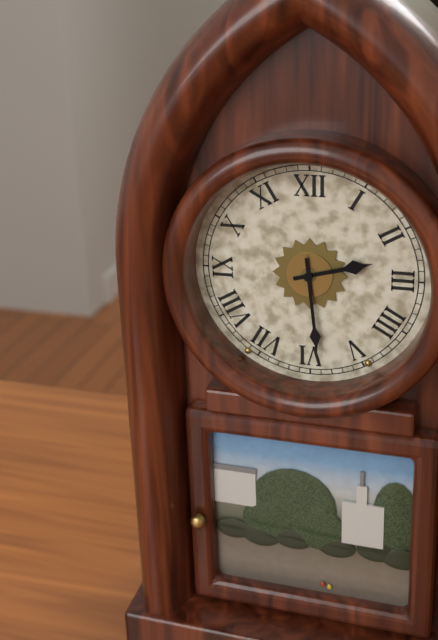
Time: h=2 m=29
